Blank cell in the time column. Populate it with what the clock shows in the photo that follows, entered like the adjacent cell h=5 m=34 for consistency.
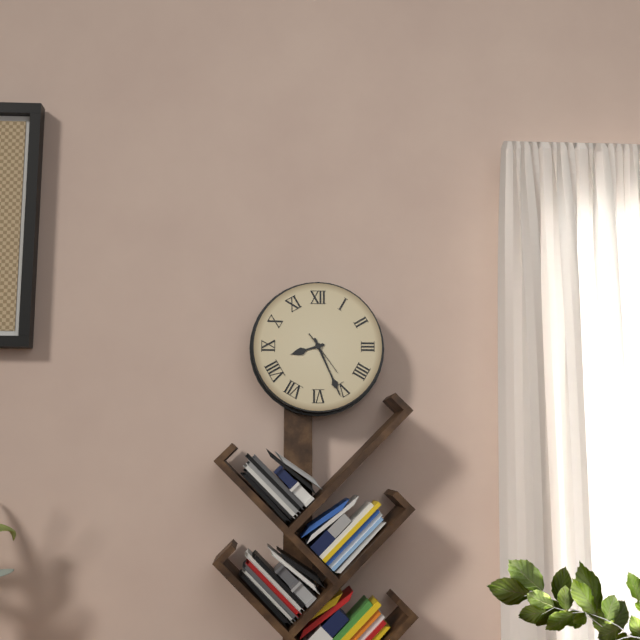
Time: h=8 m=26
